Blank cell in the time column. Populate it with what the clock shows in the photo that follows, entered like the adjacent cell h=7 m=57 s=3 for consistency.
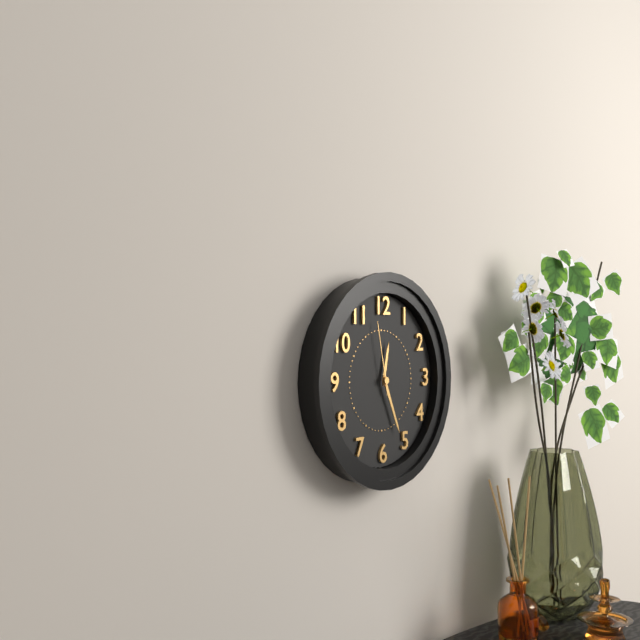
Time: h=12 m=26 s=58
